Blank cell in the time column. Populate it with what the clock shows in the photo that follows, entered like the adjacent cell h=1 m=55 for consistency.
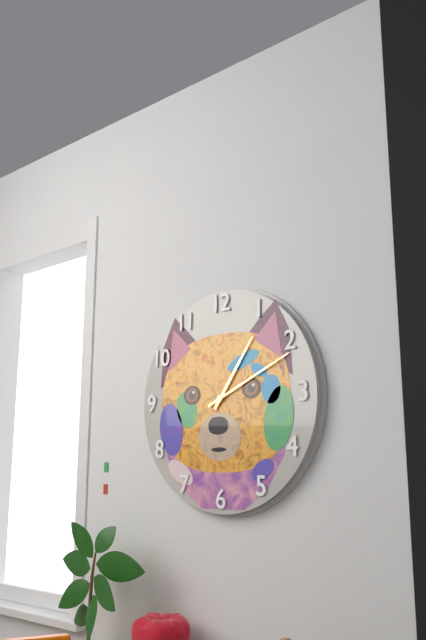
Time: h=1 m=11
